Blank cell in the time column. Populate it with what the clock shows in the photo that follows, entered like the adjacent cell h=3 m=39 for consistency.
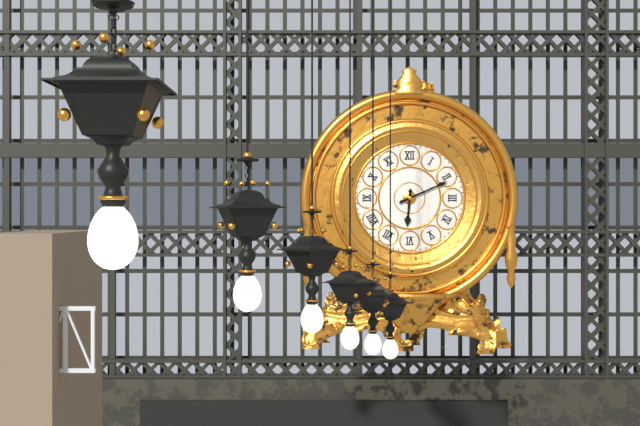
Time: h=6 m=11
